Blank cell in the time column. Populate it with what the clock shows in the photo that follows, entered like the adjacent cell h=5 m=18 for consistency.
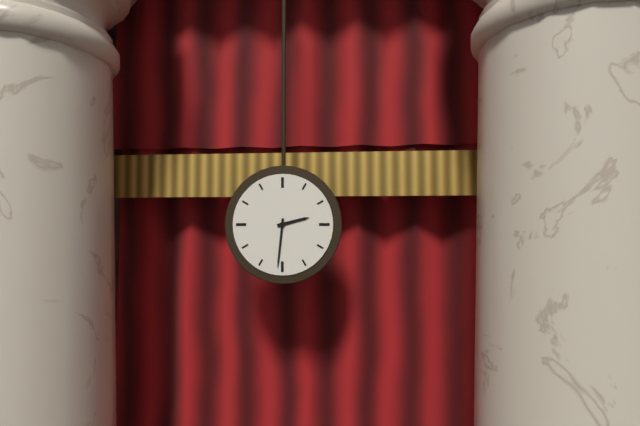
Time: h=2 m=31
